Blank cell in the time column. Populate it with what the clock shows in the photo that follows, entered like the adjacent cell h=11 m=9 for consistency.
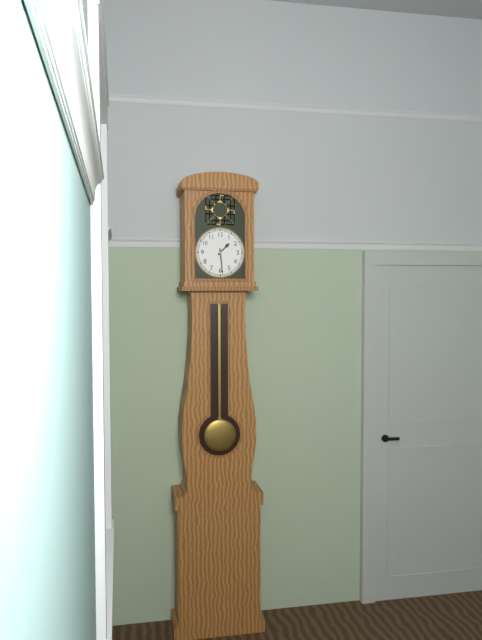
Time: h=1 m=29
